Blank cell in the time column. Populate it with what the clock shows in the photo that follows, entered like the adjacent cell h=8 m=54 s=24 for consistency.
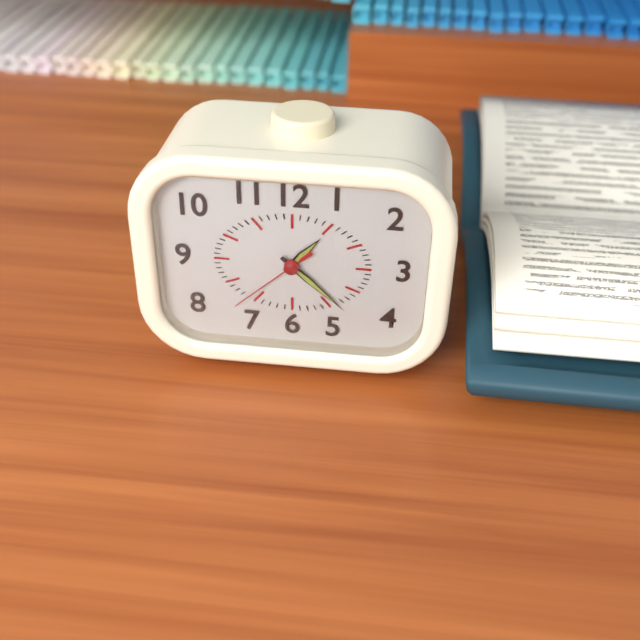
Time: h=1 m=22 s=38
